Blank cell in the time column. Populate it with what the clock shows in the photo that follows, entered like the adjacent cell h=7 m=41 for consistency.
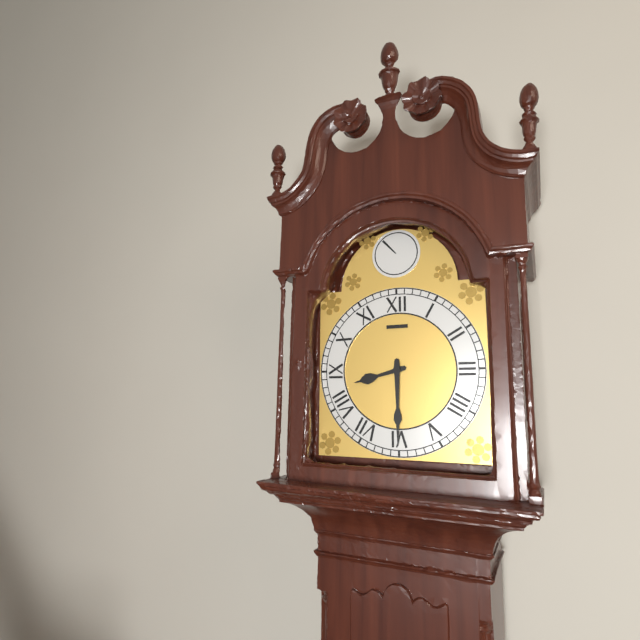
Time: h=8 m=30
